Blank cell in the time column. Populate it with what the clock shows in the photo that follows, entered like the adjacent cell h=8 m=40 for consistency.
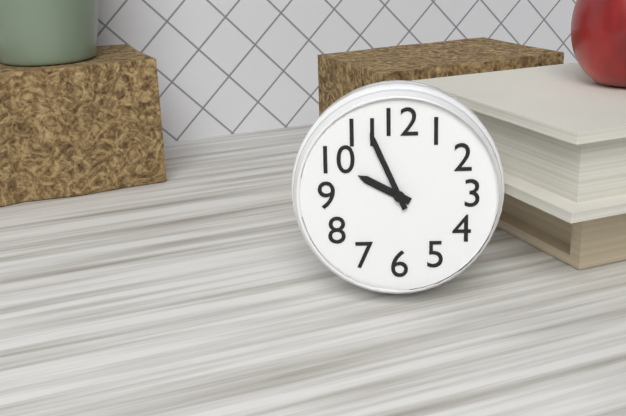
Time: h=9 m=56
